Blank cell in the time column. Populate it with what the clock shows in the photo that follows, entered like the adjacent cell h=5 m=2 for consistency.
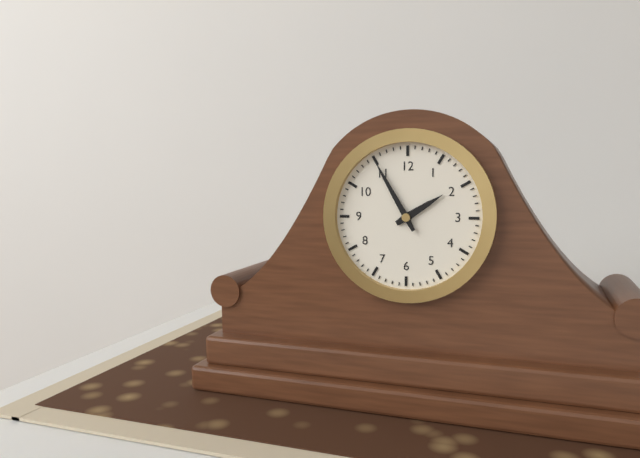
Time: h=1 m=55
